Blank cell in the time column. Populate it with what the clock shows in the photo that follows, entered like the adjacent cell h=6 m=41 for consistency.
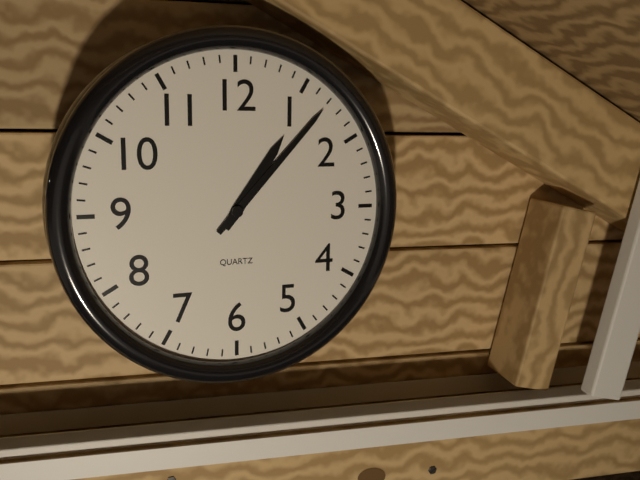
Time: h=1 m=7
